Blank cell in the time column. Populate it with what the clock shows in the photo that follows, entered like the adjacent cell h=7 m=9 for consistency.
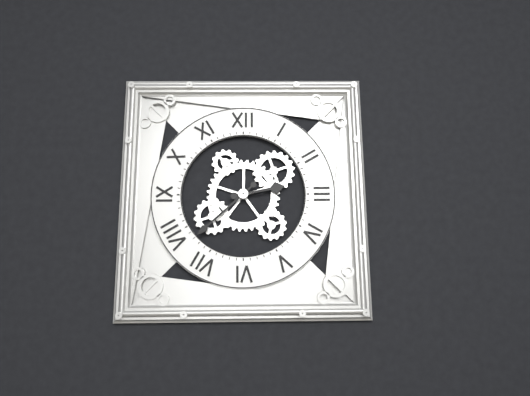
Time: h=2 m=38
